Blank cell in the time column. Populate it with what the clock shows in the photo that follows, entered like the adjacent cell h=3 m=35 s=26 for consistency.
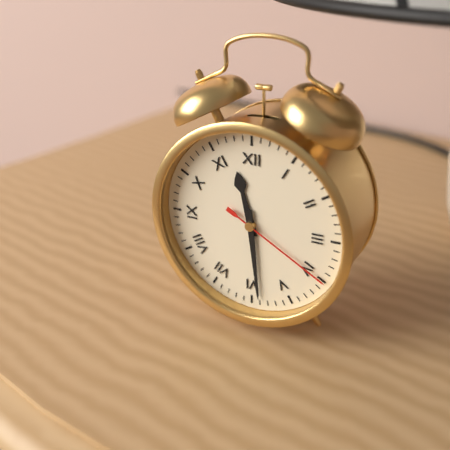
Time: h=11 m=29 s=20
